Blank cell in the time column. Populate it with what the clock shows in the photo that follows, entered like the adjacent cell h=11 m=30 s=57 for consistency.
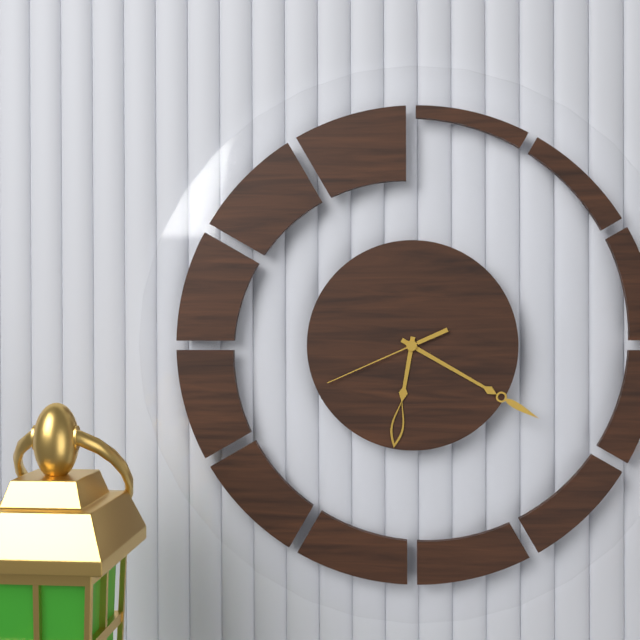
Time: h=6 m=20 s=41
